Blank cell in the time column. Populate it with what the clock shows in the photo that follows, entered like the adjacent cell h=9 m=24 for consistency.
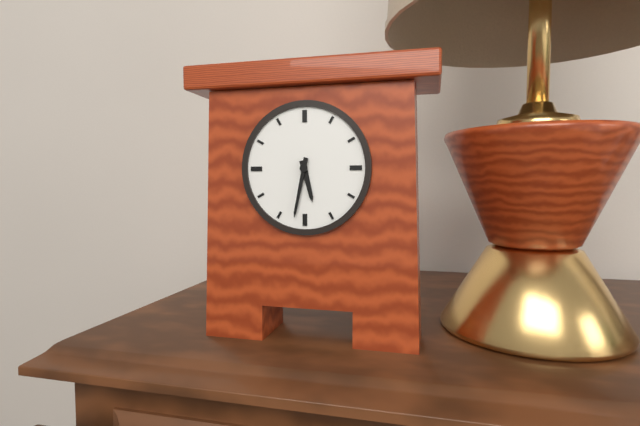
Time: h=5 m=32
